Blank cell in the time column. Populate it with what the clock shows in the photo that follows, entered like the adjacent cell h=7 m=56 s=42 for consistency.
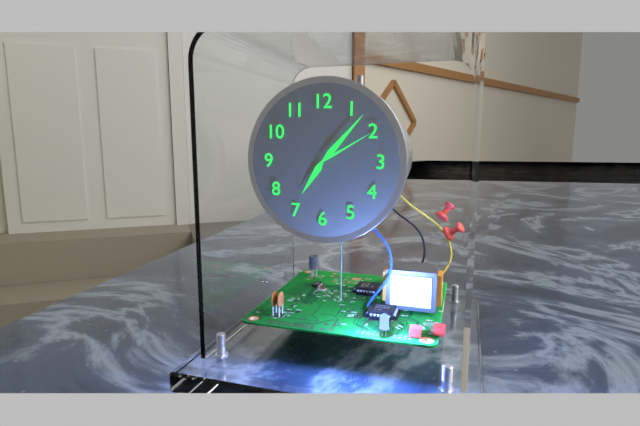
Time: h=7 m=7 s=10
